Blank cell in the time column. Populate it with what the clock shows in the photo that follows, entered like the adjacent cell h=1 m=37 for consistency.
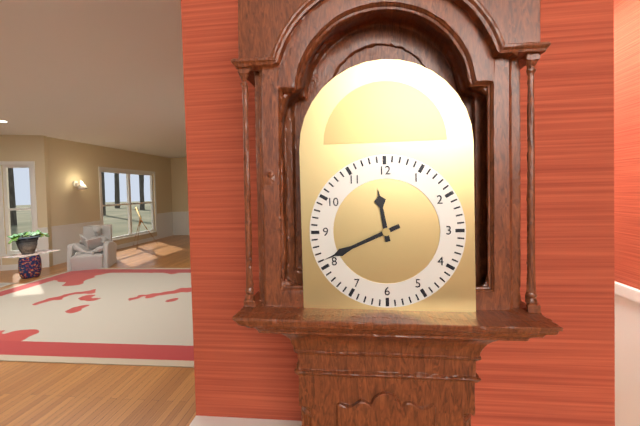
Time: h=11 m=41
